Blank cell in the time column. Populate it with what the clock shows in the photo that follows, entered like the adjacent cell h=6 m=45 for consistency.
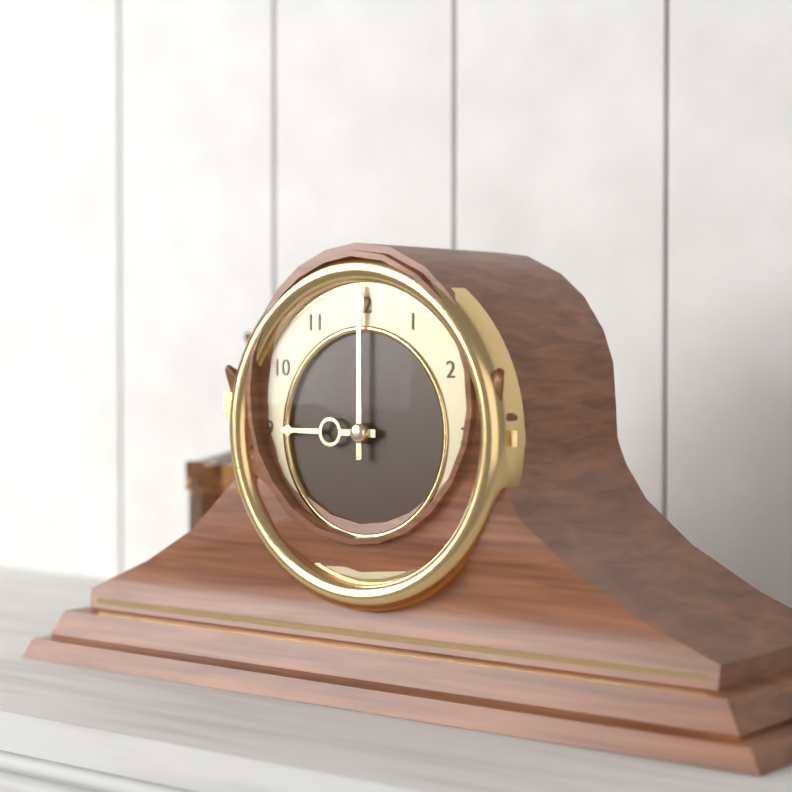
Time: h=9 m=0
